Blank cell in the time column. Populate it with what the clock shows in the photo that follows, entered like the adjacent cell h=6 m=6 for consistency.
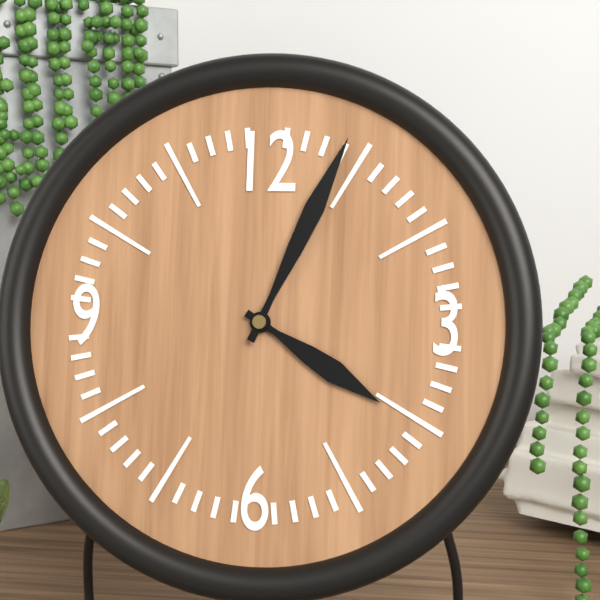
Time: h=4 m=4
